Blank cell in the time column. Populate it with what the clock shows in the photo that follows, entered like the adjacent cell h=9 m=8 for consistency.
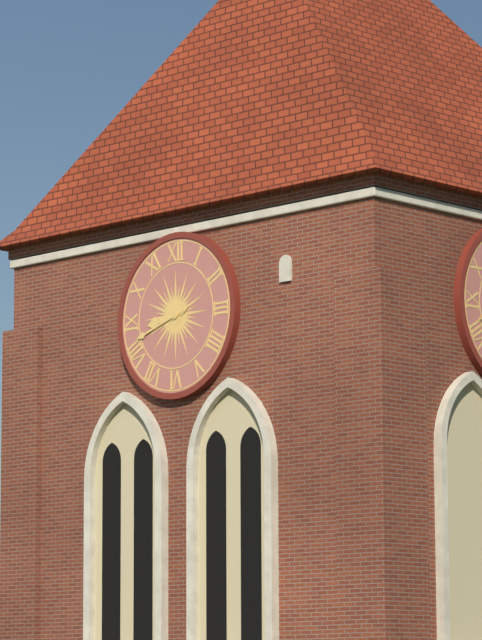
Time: h=8 m=42
